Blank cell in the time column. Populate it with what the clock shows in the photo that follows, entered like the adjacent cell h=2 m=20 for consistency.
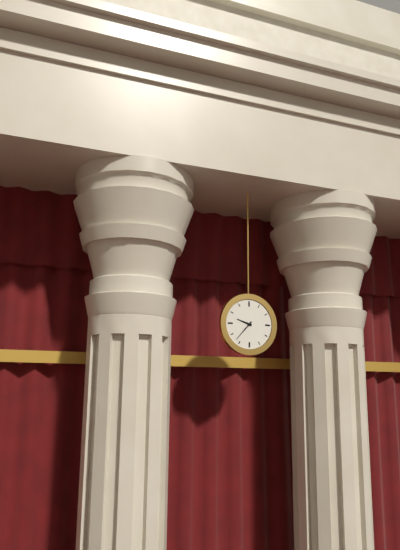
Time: h=9 m=37
